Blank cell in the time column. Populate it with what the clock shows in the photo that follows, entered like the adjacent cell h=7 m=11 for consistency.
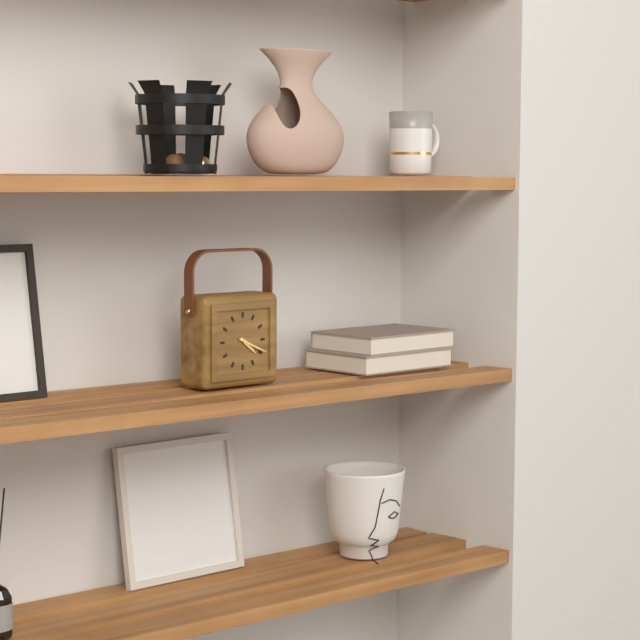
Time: h=4 m=19
